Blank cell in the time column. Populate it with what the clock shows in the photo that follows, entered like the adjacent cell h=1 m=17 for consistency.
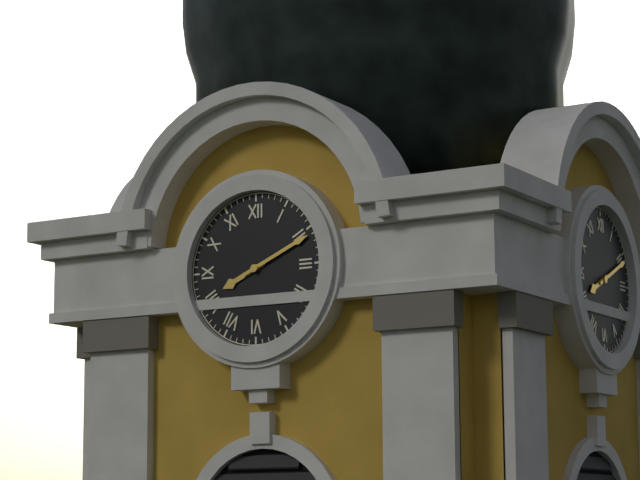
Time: h=8 m=11
